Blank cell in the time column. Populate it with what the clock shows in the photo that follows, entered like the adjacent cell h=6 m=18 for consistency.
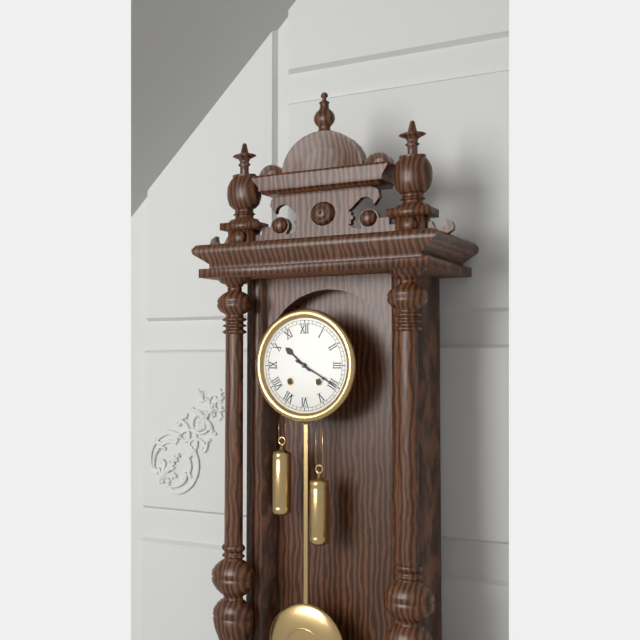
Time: h=10 m=20
